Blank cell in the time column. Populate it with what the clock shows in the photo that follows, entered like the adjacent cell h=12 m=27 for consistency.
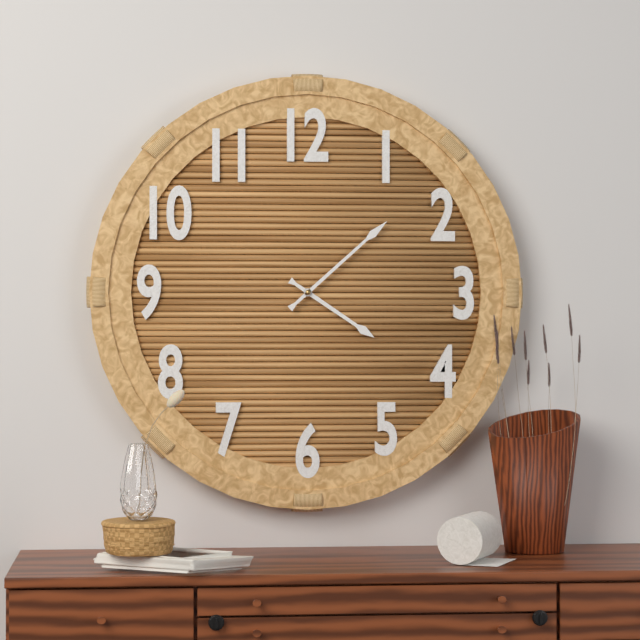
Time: h=4 m=8
